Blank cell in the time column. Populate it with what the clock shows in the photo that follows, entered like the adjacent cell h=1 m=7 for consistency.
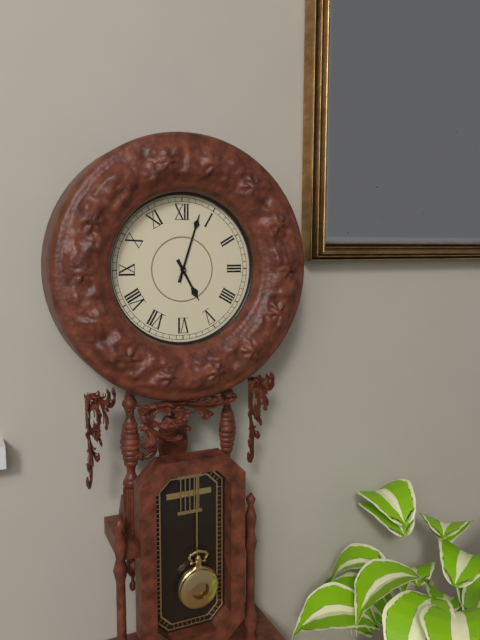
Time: h=5 m=3
